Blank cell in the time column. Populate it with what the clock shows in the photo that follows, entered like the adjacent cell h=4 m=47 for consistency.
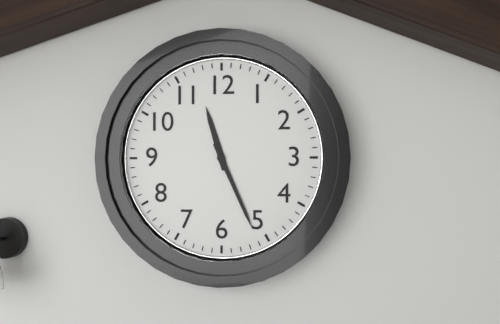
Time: h=11 m=26
